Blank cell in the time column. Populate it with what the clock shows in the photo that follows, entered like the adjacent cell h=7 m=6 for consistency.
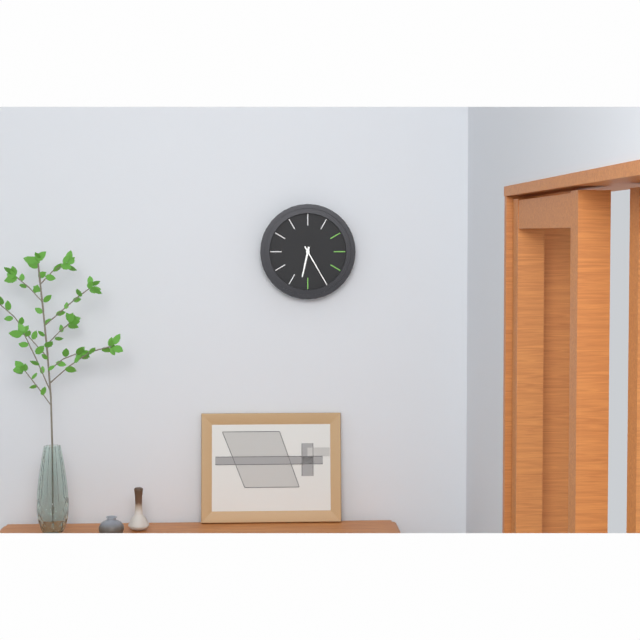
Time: h=6 m=25
